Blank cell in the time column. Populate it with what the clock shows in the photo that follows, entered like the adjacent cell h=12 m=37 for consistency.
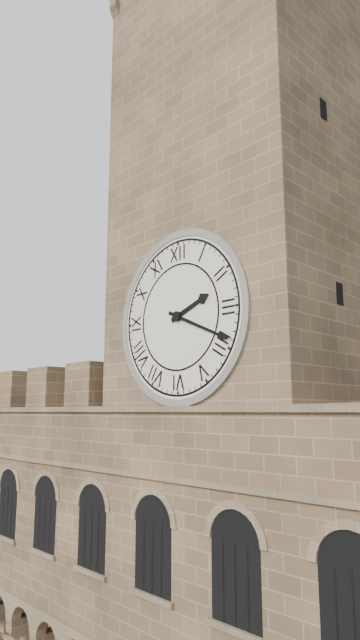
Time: h=2 m=19
